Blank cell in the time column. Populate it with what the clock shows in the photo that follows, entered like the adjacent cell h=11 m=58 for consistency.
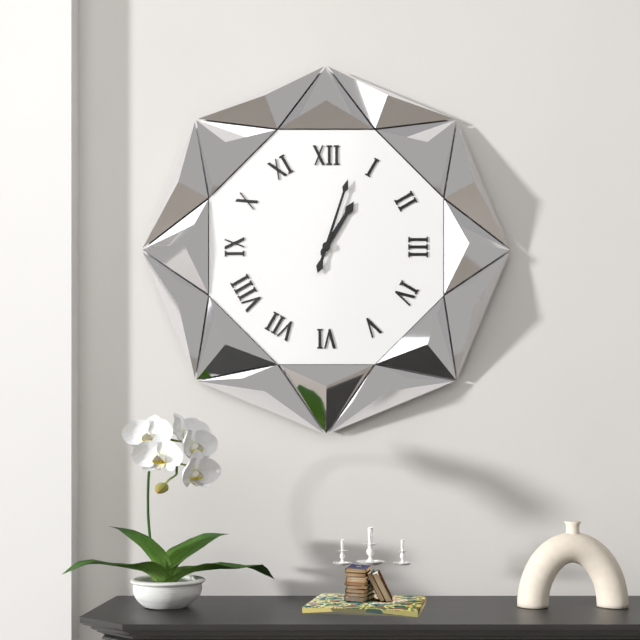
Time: h=1 m=3
